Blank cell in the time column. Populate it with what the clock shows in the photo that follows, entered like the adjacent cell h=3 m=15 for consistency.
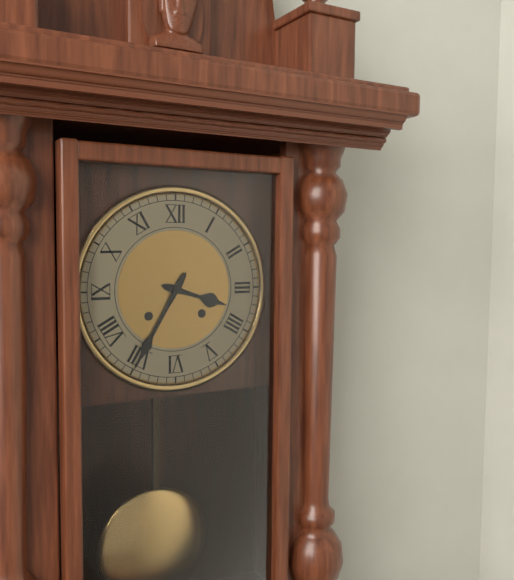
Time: h=3 m=35
